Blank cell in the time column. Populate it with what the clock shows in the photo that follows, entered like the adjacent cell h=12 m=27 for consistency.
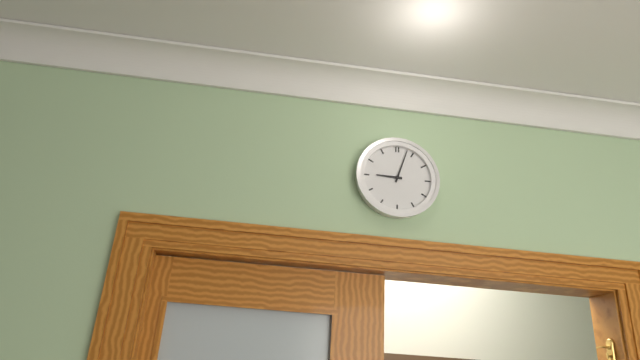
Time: h=9 m=3
